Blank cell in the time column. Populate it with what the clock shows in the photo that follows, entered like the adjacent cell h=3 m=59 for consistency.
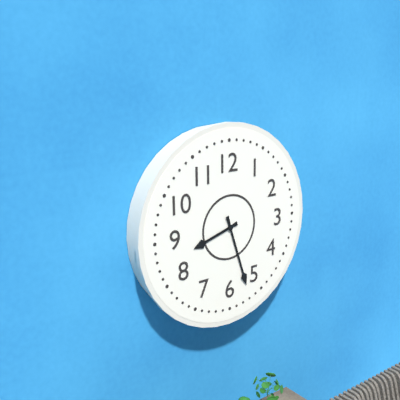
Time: h=8 m=27
